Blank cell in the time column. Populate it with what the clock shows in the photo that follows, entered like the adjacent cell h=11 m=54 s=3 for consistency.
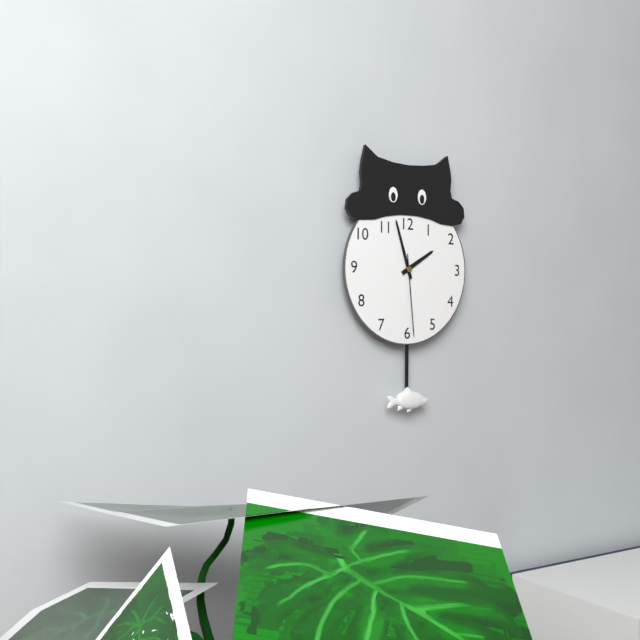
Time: h=1 m=57 s=29
